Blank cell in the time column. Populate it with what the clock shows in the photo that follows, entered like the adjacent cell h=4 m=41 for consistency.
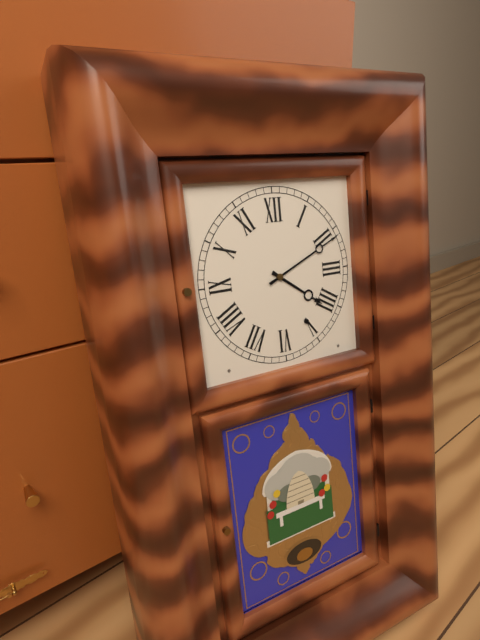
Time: h=4 m=11
